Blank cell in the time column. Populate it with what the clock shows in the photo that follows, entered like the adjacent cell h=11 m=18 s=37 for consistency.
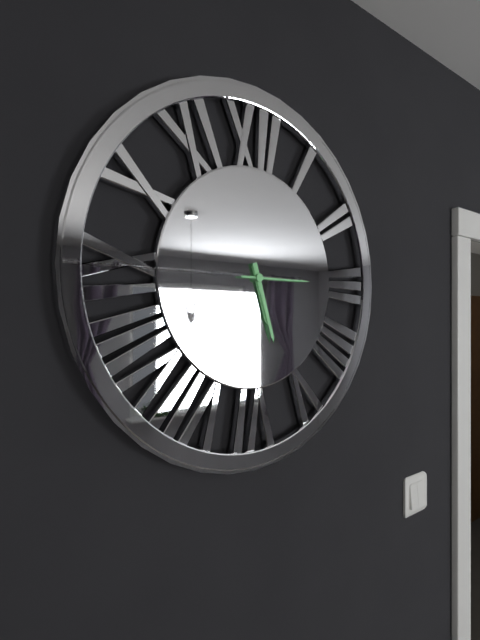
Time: h=5 m=27 s=15
